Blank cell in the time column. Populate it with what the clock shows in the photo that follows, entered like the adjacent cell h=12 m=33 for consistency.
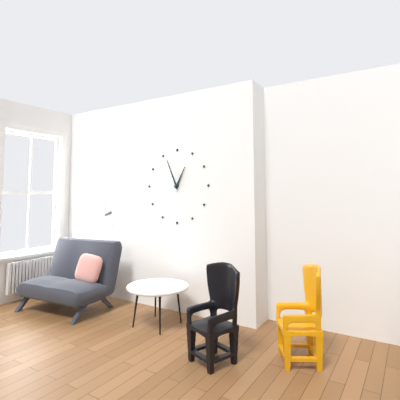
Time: h=12 m=56
